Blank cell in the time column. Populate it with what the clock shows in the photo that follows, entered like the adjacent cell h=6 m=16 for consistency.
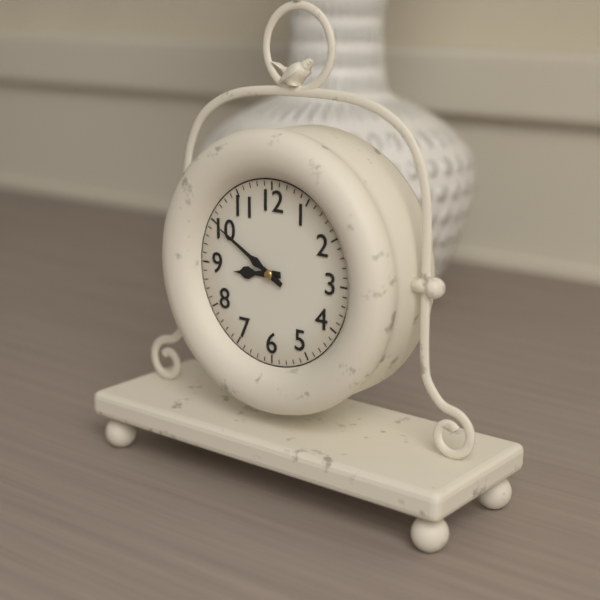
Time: h=8 m=50
